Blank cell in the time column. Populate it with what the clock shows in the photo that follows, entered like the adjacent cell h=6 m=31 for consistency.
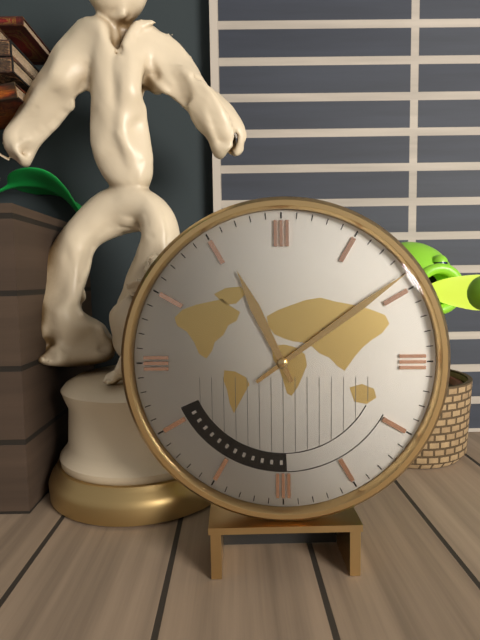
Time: h=11 m=9
